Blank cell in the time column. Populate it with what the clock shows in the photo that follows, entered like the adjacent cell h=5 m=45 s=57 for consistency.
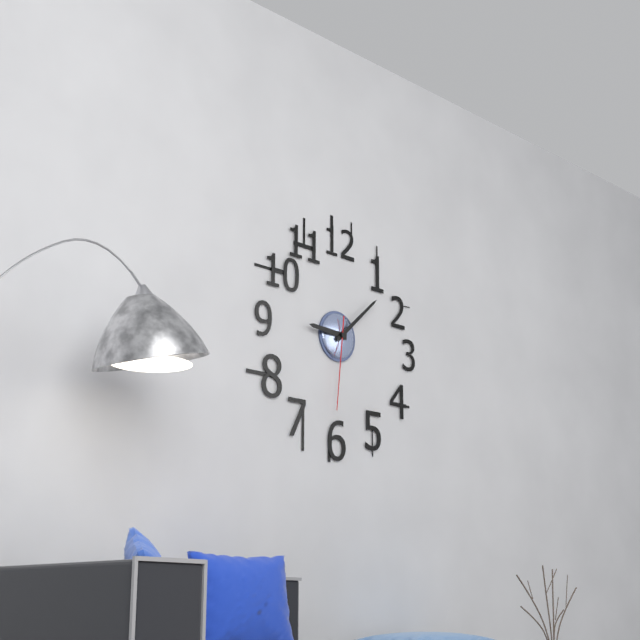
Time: h=9 m=8 s=31
